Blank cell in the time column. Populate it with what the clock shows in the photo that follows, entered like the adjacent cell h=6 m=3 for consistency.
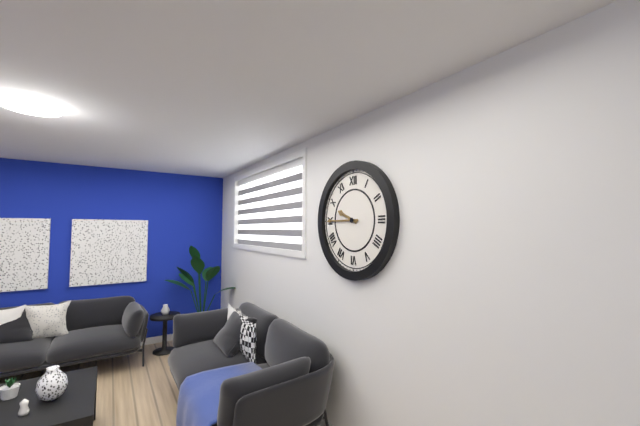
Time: h=9 m=45
